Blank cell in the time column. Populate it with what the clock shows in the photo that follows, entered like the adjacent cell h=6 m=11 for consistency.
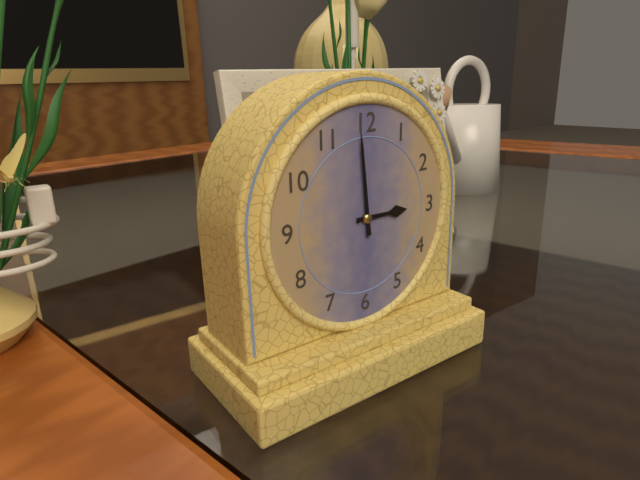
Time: h=2 m=59
